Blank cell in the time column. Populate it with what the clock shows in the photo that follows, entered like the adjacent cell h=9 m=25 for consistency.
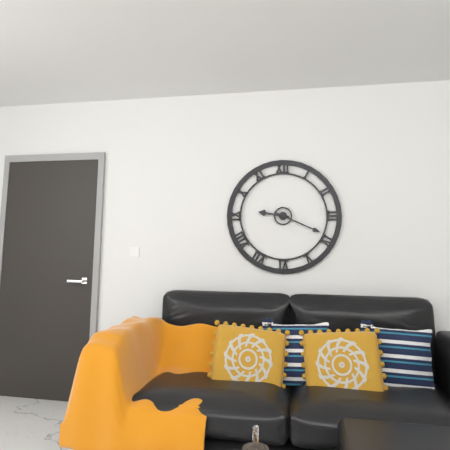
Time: h=9 m=19
